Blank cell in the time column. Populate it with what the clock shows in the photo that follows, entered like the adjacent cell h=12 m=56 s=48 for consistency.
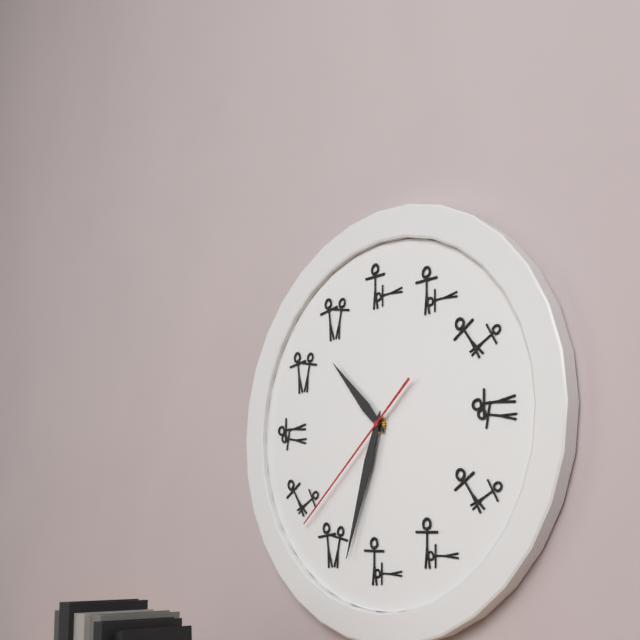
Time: h=10 m=33 s=38
